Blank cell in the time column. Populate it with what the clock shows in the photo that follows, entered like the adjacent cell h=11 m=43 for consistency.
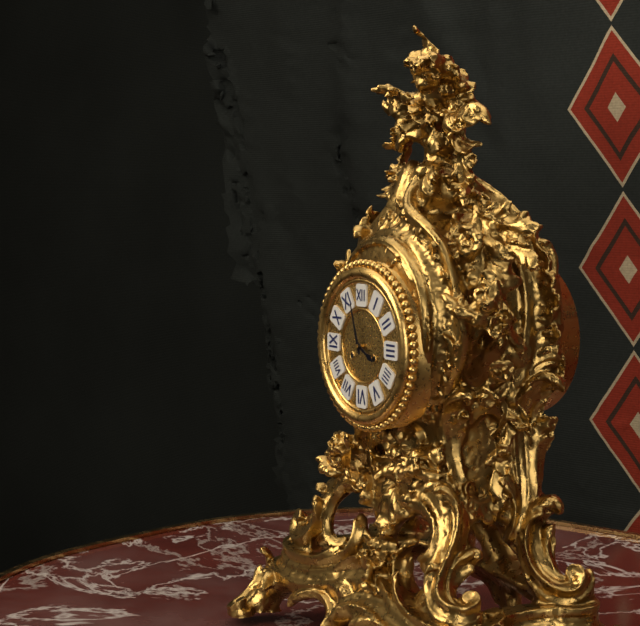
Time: h=3 m=57
